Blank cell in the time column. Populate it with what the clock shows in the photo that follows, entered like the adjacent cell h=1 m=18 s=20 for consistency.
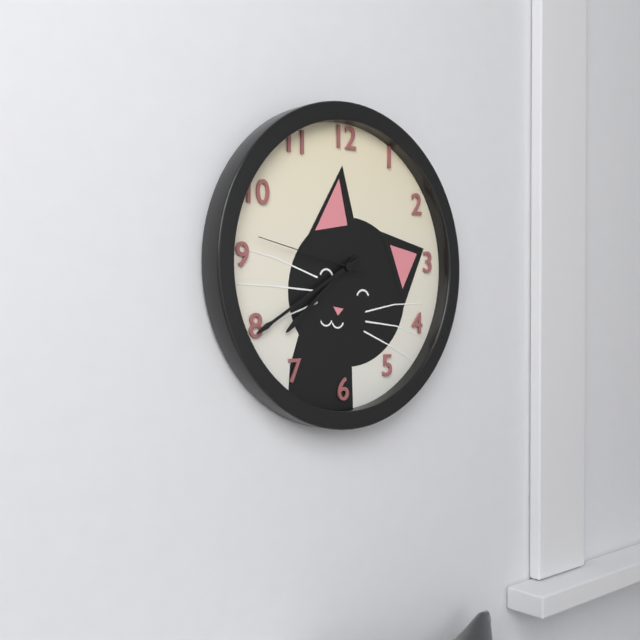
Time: h=7 m=40 s=47
